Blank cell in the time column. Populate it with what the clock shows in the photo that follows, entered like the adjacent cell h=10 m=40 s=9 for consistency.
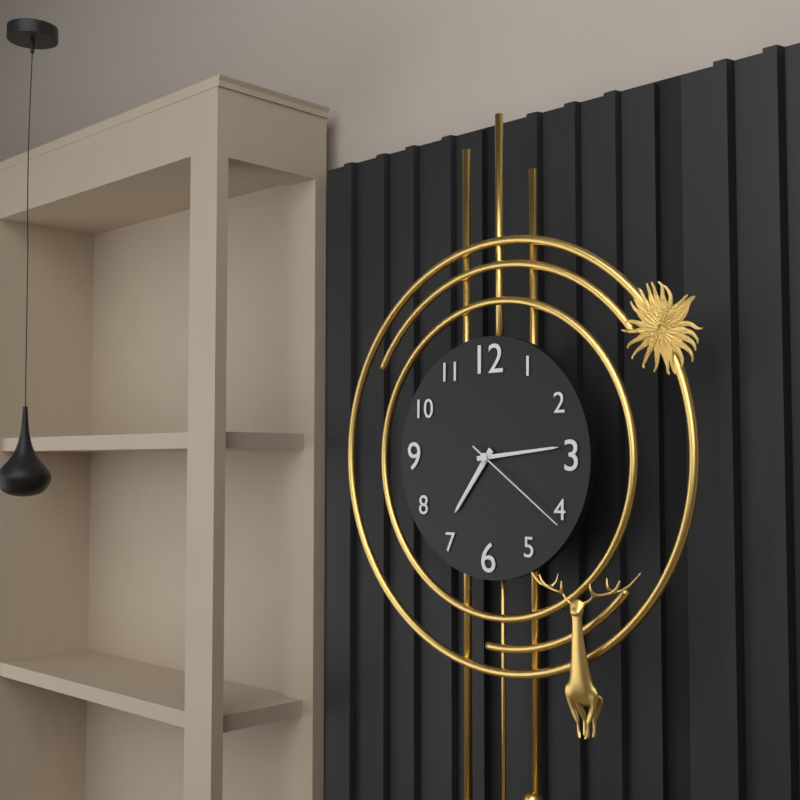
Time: h=7 m=14 s=21
